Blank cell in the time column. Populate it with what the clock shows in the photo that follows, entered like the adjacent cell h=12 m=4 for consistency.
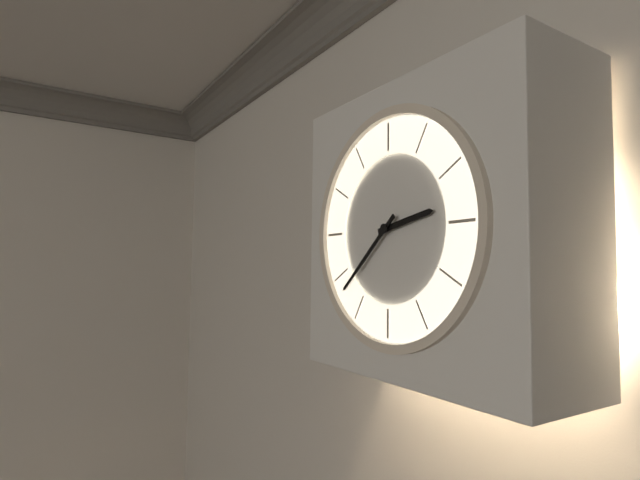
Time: h=2 m=38
